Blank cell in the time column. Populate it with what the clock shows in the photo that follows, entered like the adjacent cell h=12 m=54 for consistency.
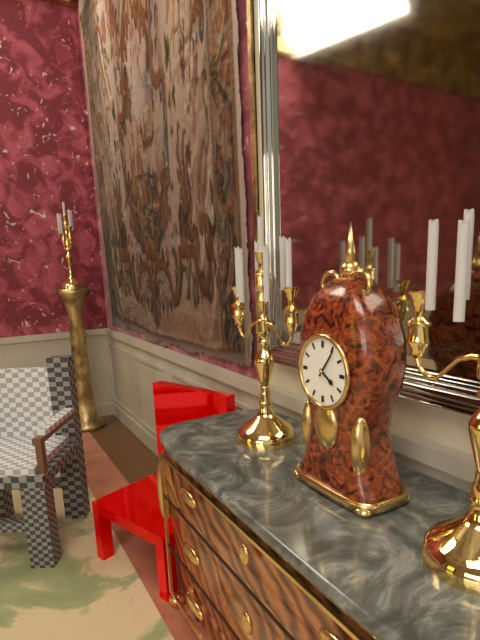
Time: h=4 m=6
